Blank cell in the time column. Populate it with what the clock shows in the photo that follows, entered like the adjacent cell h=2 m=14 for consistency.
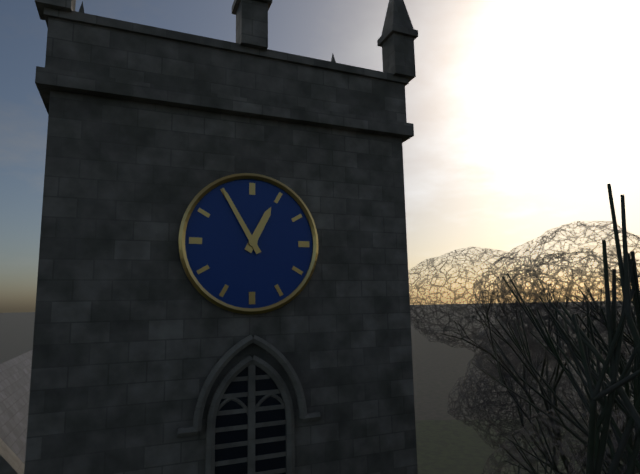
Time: h=12 m=55
